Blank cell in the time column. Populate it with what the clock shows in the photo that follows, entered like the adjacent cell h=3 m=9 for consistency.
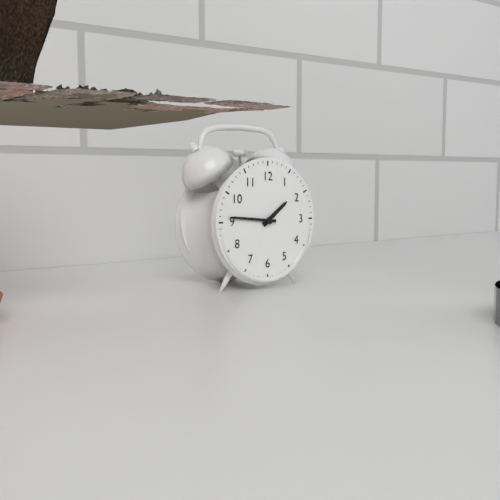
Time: h=1 m=46
